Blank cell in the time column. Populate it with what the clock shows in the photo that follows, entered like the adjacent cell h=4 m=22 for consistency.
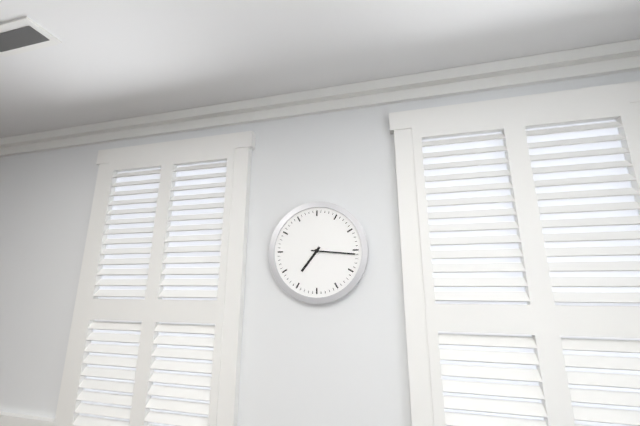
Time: h=7 m=16
